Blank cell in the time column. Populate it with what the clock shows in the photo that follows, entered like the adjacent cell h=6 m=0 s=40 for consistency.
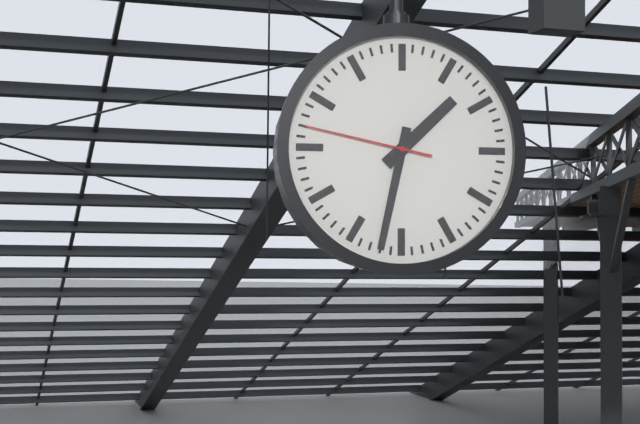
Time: h=1 m=32 s=47
